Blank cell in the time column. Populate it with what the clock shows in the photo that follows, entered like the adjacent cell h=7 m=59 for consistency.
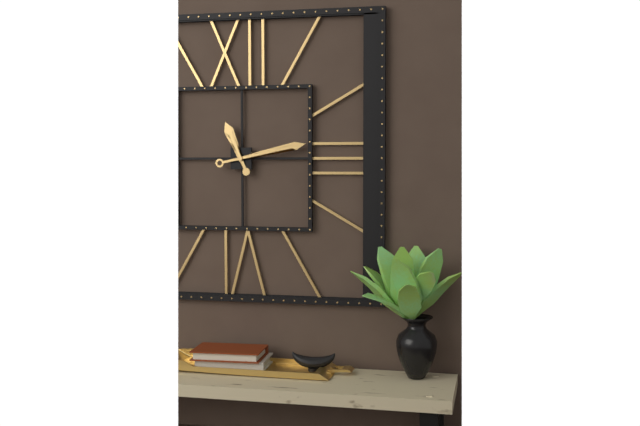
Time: h=11 m=13
